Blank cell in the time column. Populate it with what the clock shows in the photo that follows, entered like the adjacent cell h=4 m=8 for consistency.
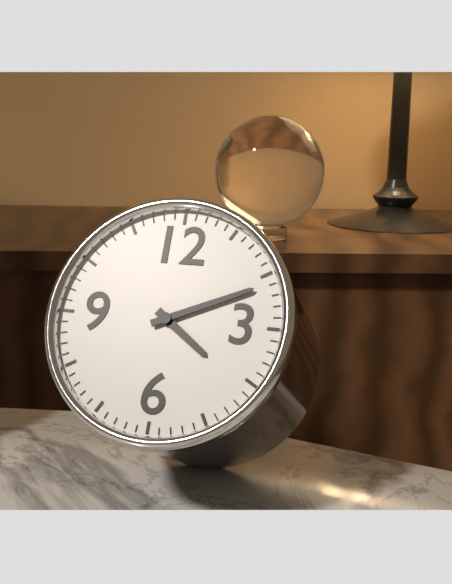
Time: h=4 m=11
